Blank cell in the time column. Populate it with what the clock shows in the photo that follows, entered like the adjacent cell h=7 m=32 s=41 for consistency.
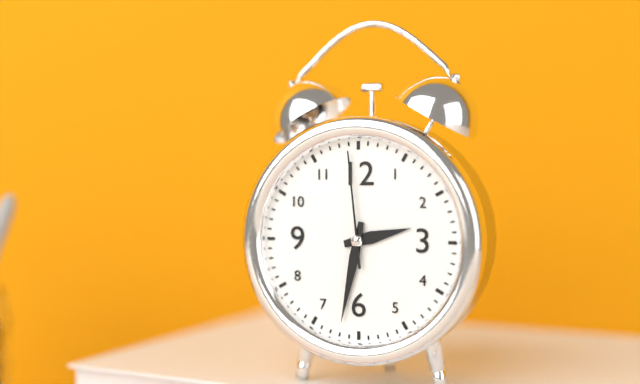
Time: h=2 m=32 s=59
